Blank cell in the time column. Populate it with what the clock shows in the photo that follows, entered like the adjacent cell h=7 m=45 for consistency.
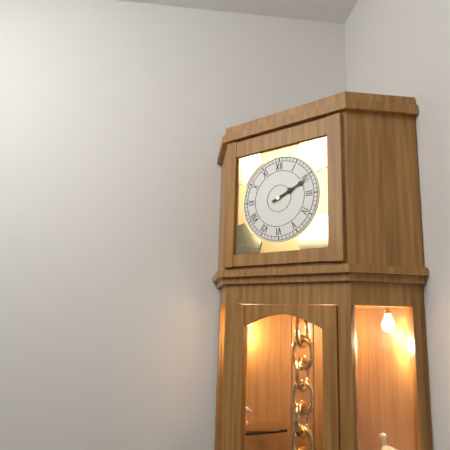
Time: h=2 m=11
